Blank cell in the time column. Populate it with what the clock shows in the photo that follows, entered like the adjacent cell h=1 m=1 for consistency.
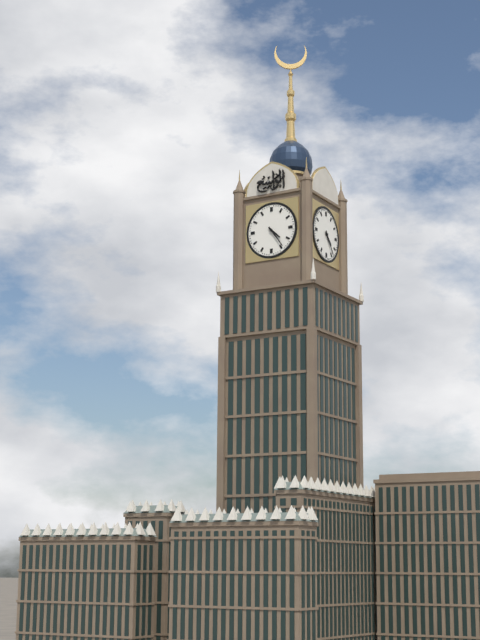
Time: h=4 m=24
